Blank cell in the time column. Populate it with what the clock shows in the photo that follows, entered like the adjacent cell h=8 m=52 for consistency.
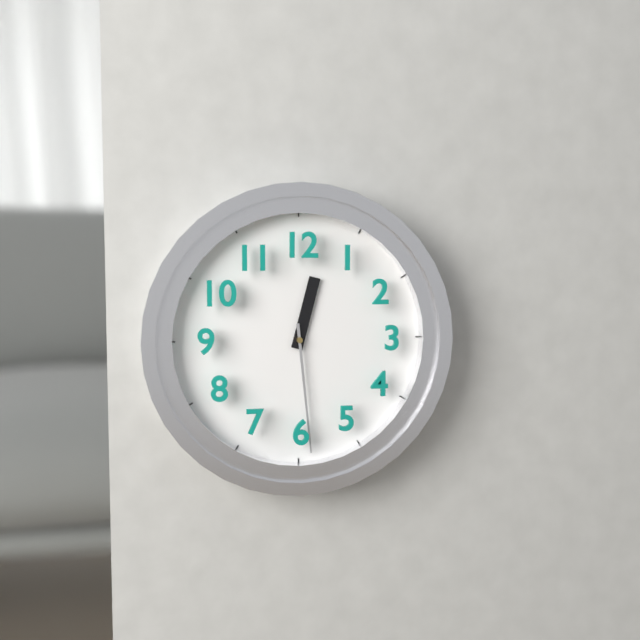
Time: h=12 m=29
